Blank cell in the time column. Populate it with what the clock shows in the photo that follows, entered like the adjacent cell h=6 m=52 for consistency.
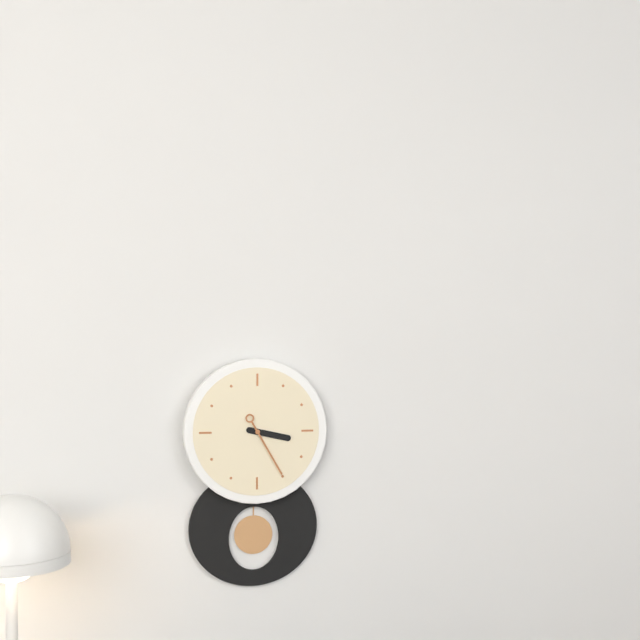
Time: h=3 m=25
